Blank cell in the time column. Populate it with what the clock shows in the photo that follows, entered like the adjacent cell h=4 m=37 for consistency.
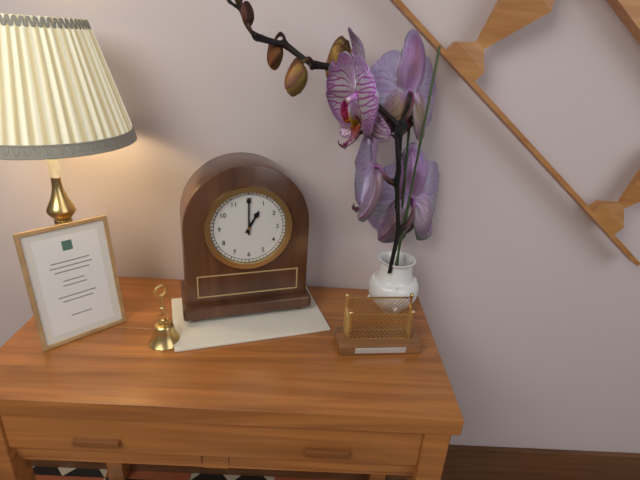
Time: h=1 m=0
